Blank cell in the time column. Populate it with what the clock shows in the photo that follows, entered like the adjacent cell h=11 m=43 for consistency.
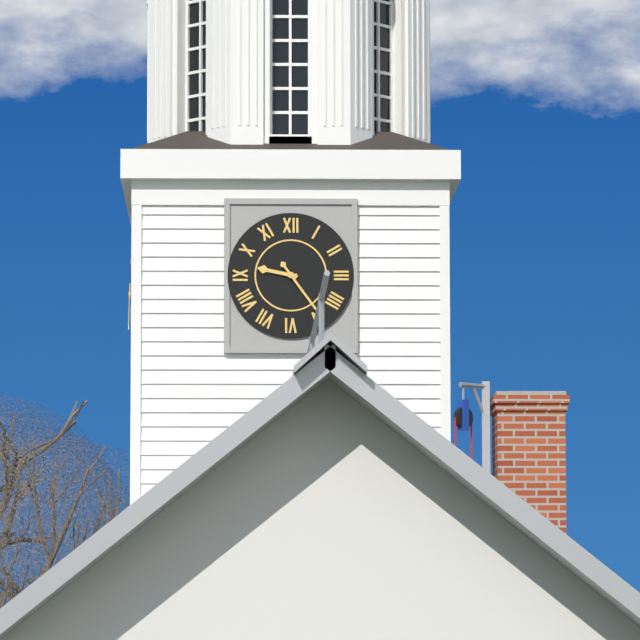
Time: h=9 m=24
